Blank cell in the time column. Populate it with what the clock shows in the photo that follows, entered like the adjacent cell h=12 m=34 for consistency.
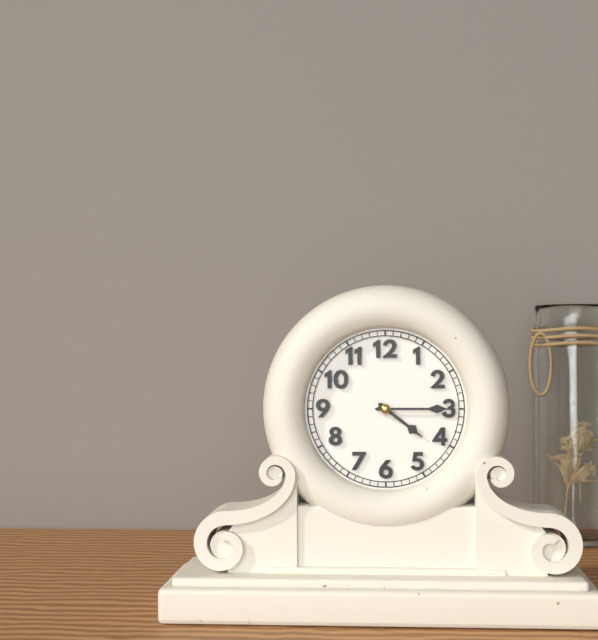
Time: h=4 m=15
